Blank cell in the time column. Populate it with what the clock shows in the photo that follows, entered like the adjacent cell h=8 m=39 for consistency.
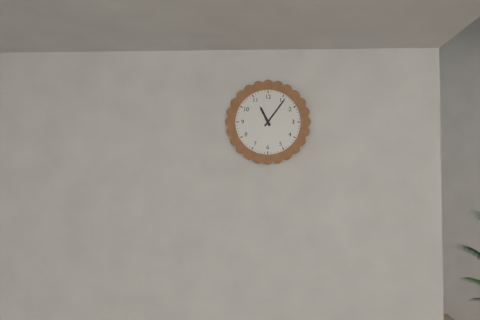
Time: h=11 m=6
